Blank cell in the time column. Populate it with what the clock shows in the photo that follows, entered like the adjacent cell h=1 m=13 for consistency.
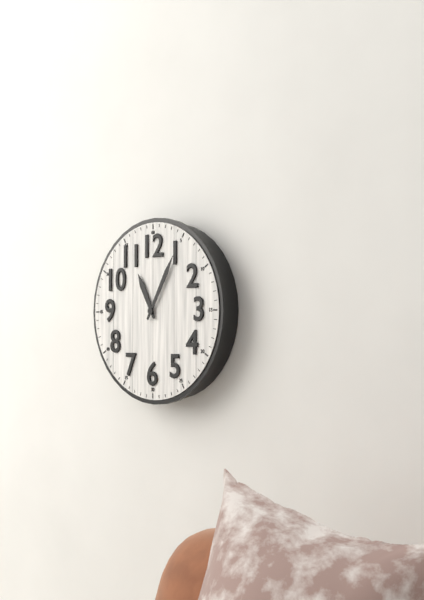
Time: h=11 m=5
